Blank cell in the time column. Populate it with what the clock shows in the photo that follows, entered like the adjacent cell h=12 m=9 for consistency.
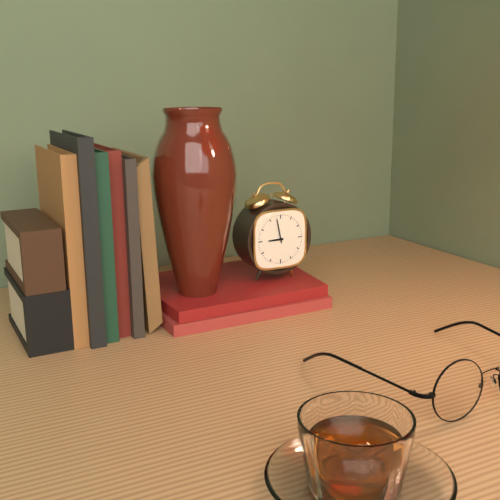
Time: h=8 m=58
